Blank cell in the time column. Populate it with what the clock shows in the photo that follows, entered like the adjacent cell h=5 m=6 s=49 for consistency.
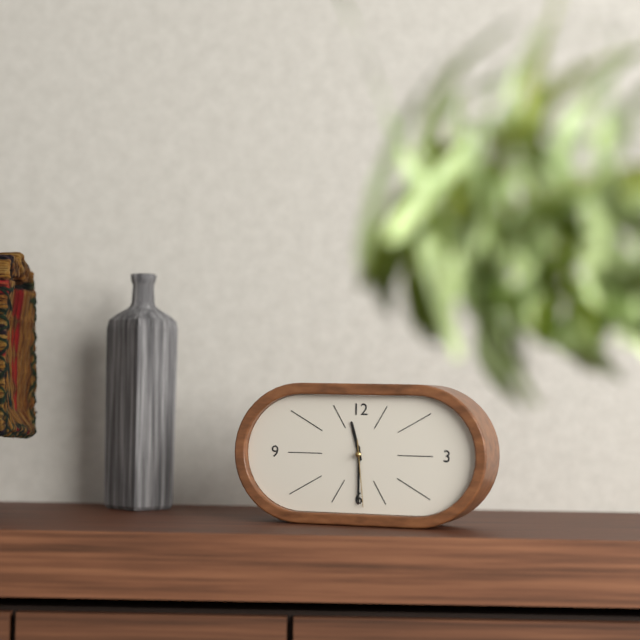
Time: h=11 m=30 s=29
